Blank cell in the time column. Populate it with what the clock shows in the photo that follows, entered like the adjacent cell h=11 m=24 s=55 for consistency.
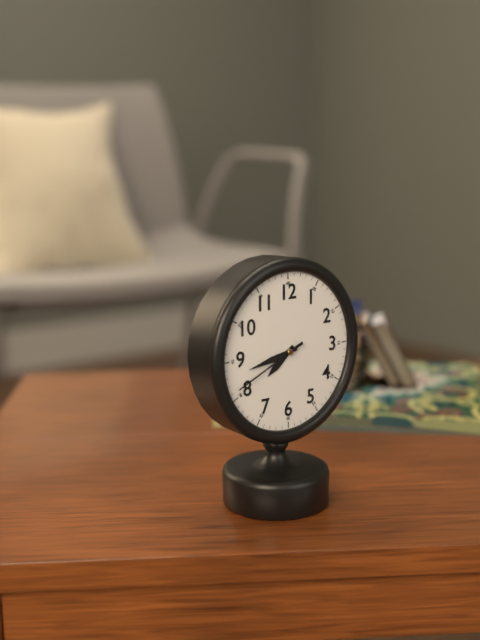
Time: h=7 m=43 s=41
